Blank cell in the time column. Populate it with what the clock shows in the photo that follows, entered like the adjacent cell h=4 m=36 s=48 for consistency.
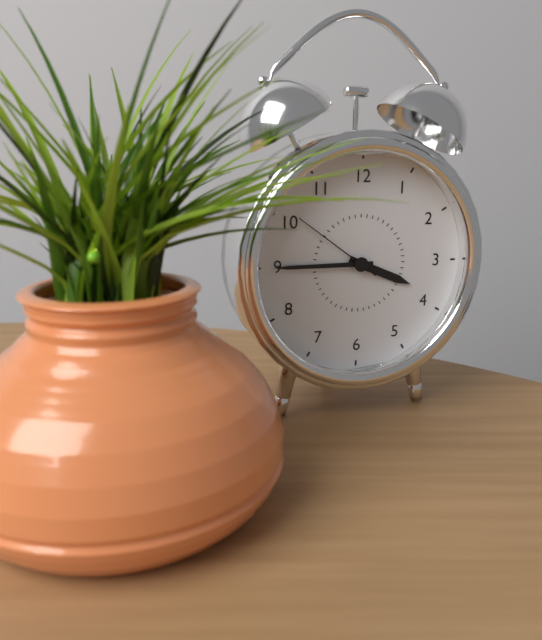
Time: h=3 m=45 s=51
